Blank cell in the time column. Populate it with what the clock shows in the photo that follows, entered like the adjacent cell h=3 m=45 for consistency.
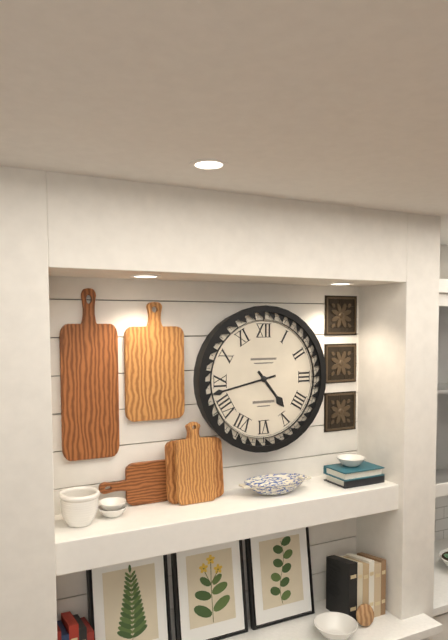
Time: h=4 m=43
